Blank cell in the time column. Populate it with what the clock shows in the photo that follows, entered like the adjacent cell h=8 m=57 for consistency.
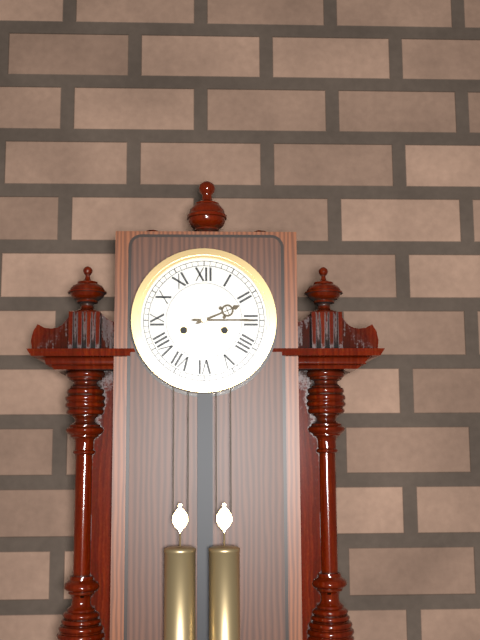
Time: h=2 m=15
